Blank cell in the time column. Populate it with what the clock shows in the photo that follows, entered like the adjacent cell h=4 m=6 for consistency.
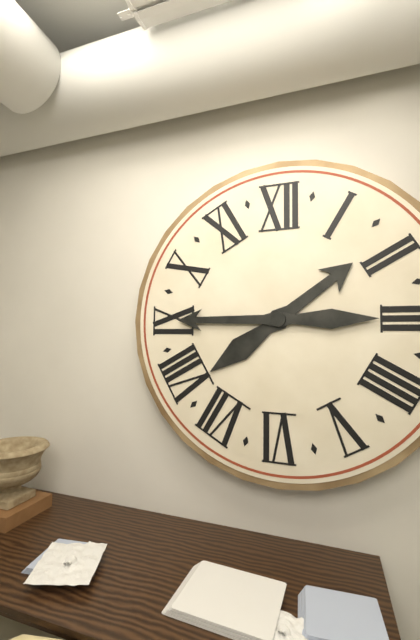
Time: h=1 m=45
